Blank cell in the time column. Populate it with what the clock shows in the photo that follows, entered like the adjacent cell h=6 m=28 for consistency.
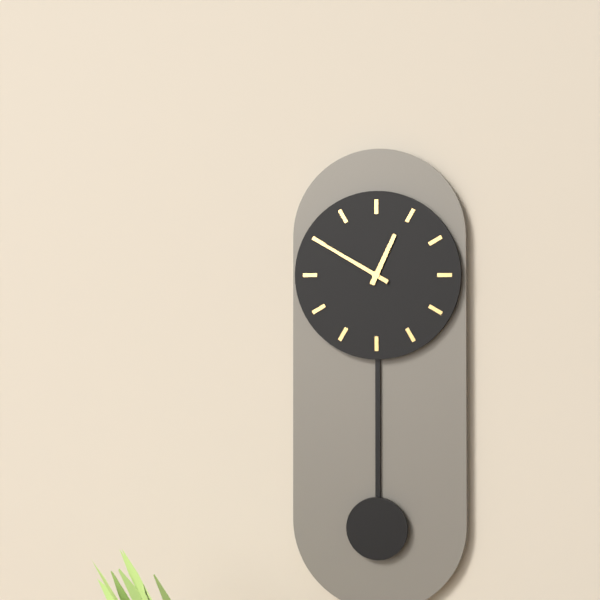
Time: h=12 m=50
